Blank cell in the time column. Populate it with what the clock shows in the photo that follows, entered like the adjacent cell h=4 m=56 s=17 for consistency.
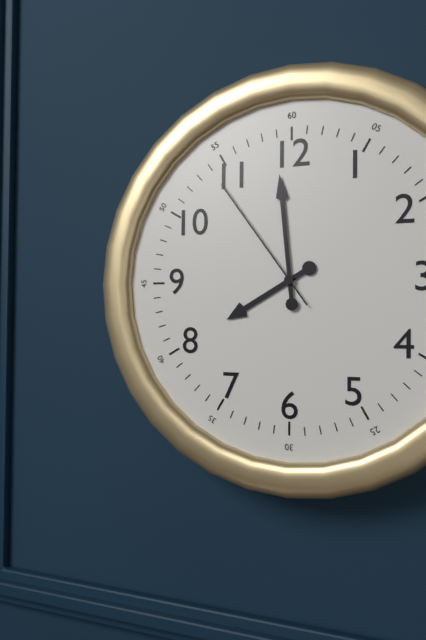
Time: h=7 m=59 s=54
